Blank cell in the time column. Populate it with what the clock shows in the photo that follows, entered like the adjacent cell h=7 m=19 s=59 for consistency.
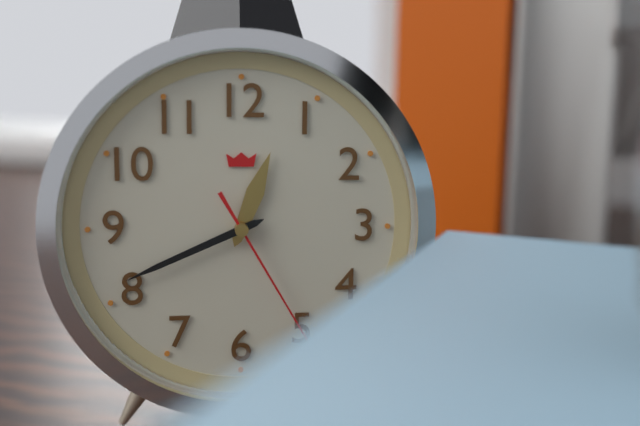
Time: h=12 m=41 s=25
